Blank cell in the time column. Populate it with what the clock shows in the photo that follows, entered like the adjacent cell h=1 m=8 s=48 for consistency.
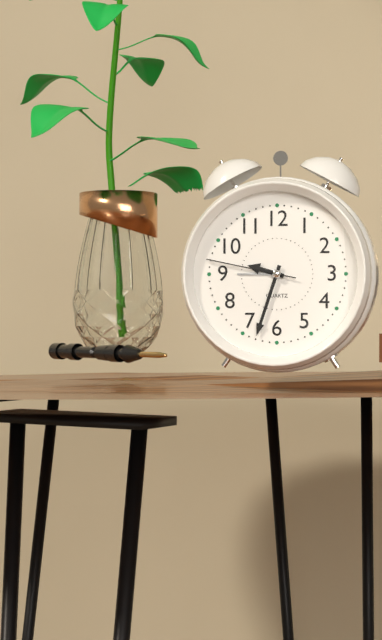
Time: h=9 m=33 s=47
